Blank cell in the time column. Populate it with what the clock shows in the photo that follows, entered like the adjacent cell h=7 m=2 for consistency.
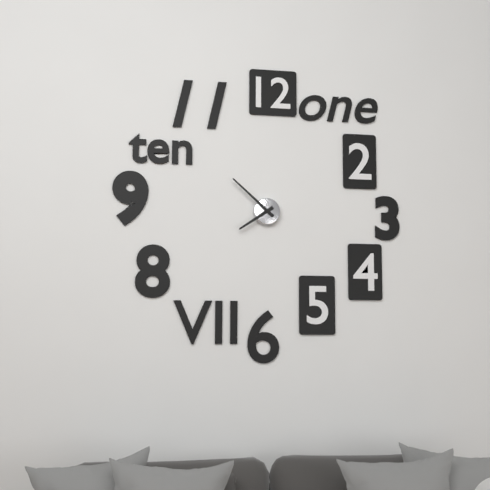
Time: h=7 m=52
